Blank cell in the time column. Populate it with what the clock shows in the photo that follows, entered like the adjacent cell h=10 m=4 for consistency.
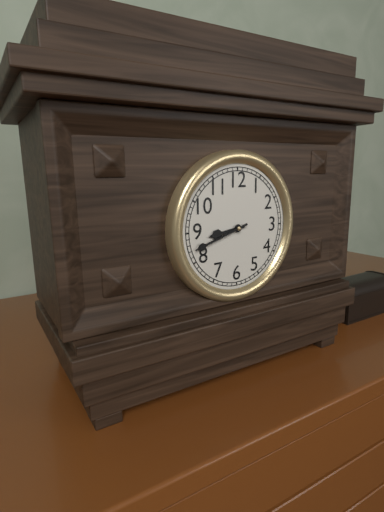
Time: h=8 m=42
